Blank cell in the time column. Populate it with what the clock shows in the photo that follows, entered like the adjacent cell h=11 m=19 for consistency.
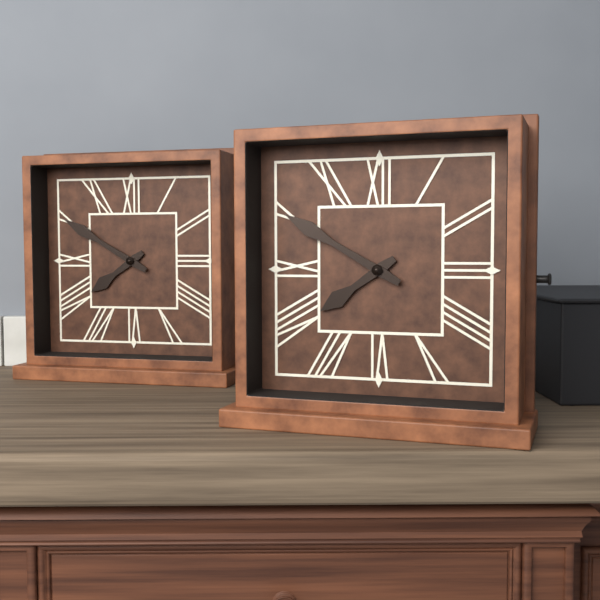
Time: h=7 m=50
